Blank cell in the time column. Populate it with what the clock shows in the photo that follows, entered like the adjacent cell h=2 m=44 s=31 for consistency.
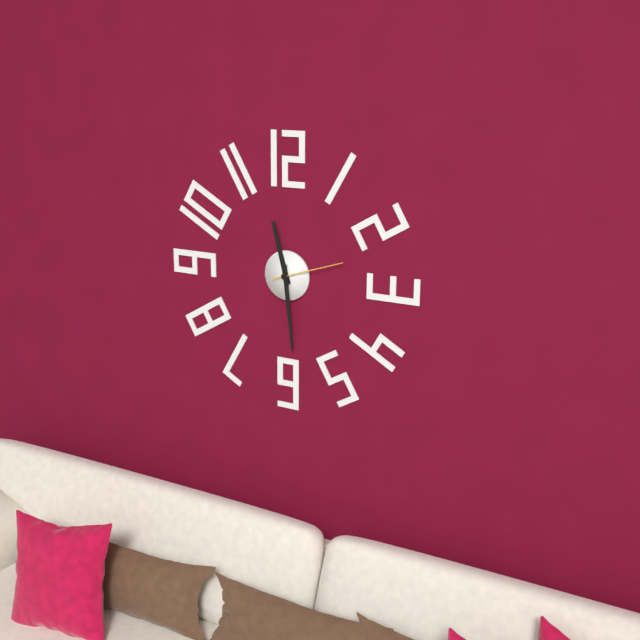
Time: h=11 m=29 s=12
